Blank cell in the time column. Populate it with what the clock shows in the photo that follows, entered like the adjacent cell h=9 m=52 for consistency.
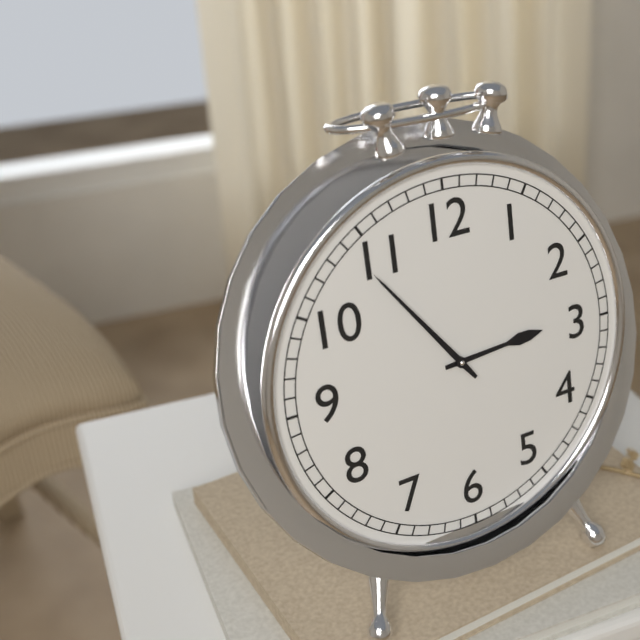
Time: h=2 m=54
